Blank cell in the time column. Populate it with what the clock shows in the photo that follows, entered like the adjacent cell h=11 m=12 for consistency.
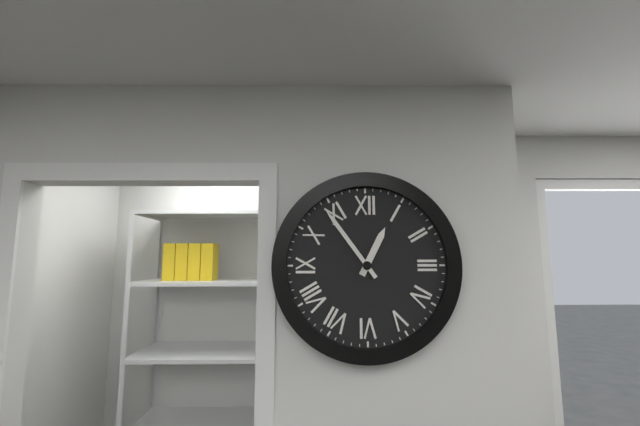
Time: h=12 m=54
